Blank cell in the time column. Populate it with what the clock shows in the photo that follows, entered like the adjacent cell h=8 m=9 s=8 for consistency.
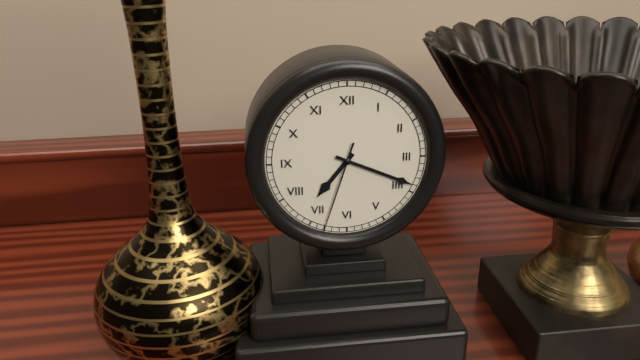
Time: h=7 m=19 s=33
